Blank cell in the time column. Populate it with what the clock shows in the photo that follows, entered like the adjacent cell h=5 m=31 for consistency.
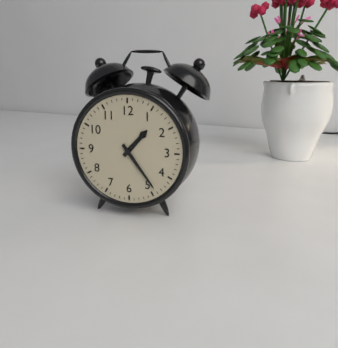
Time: h=1 m=24
